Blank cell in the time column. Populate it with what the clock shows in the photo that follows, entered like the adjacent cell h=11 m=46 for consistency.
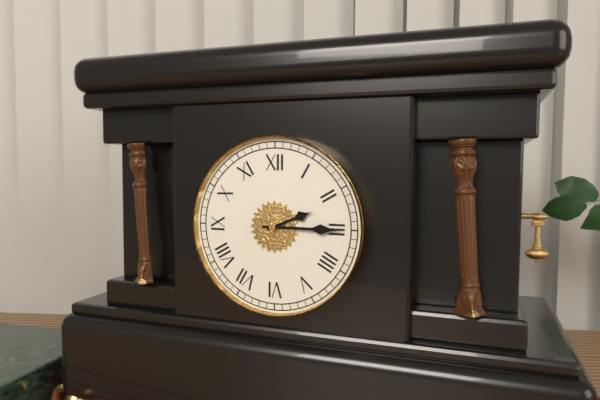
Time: h=2 m=15
